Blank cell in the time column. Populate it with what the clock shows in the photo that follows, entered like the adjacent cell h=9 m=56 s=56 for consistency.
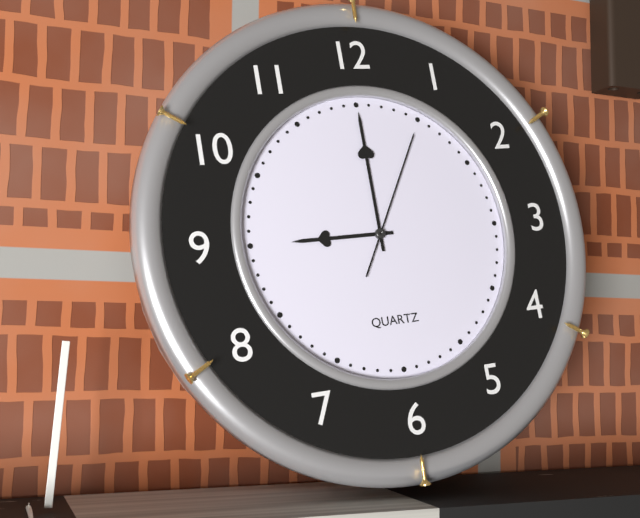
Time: h=9 m=0 s=5
